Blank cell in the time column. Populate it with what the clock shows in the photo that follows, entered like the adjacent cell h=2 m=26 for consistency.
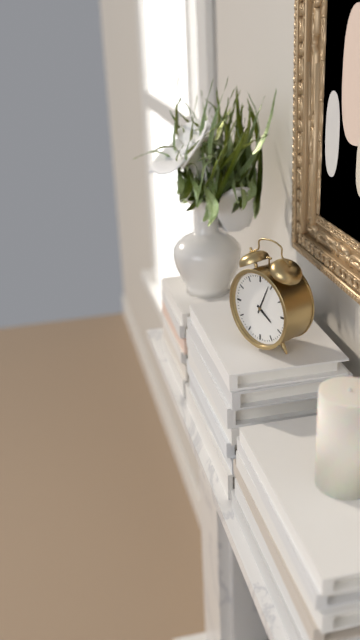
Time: h=4 m=4
